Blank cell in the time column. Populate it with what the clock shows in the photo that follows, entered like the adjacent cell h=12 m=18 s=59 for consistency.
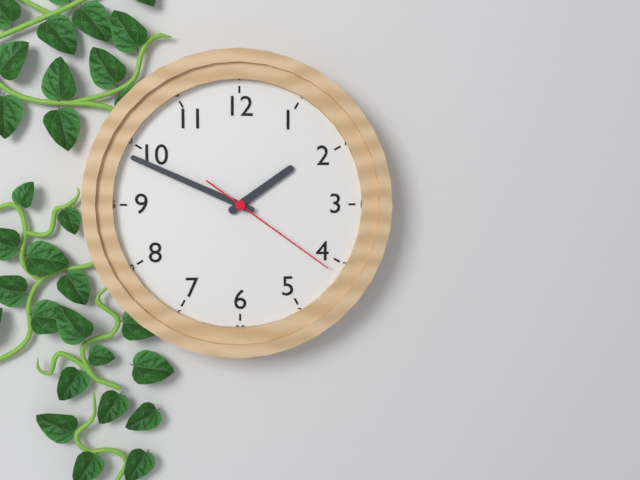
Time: h=1 m=49 s=21
